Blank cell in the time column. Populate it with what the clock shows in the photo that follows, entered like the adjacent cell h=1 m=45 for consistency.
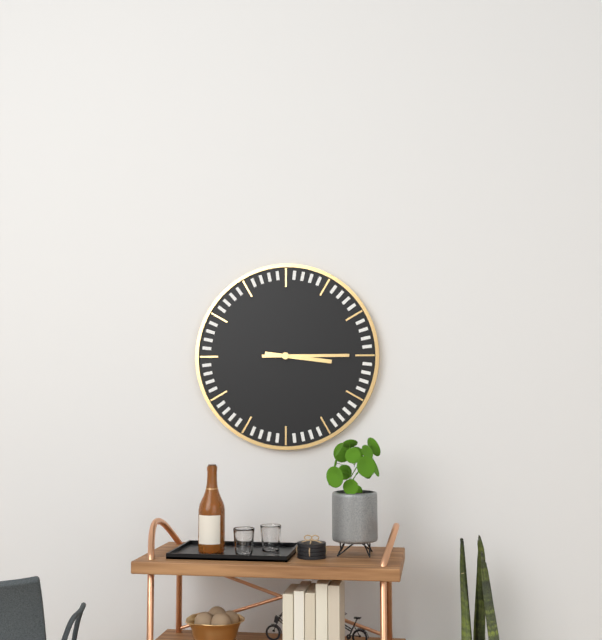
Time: h=3 m=15
